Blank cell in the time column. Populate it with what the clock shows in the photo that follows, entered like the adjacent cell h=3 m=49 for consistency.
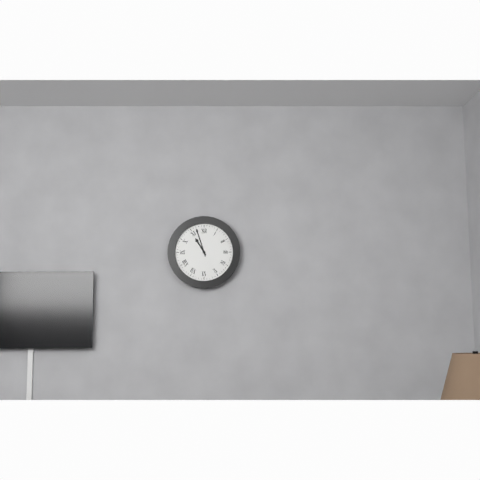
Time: h=10 m=57
